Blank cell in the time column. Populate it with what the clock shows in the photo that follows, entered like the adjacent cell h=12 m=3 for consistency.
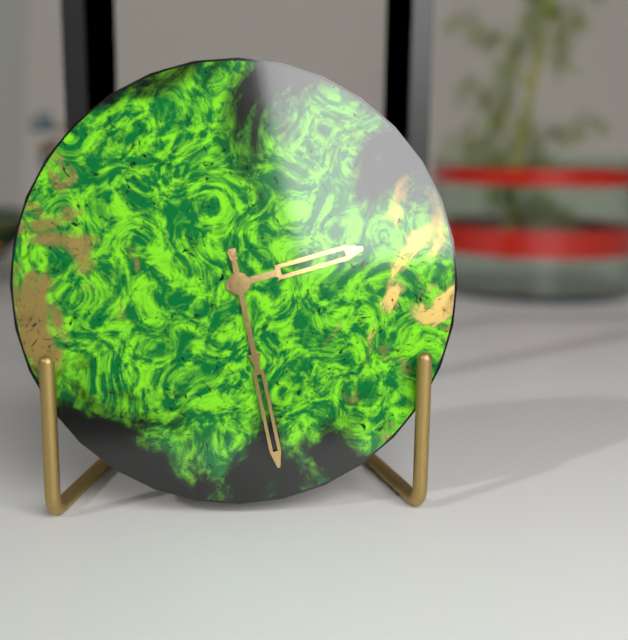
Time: h=2 m=28
